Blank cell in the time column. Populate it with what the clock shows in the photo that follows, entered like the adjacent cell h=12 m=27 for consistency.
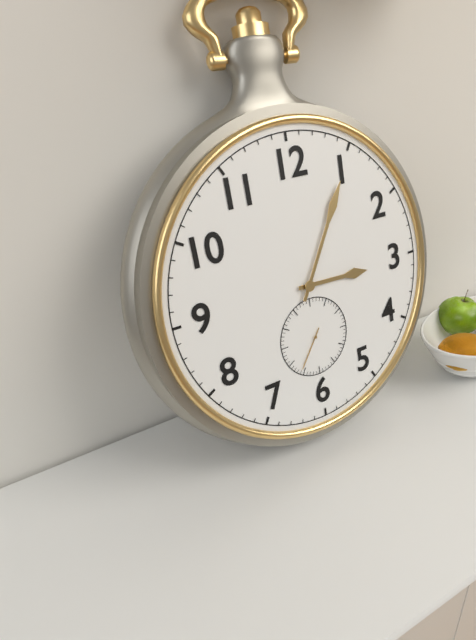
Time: h=3 m=5
